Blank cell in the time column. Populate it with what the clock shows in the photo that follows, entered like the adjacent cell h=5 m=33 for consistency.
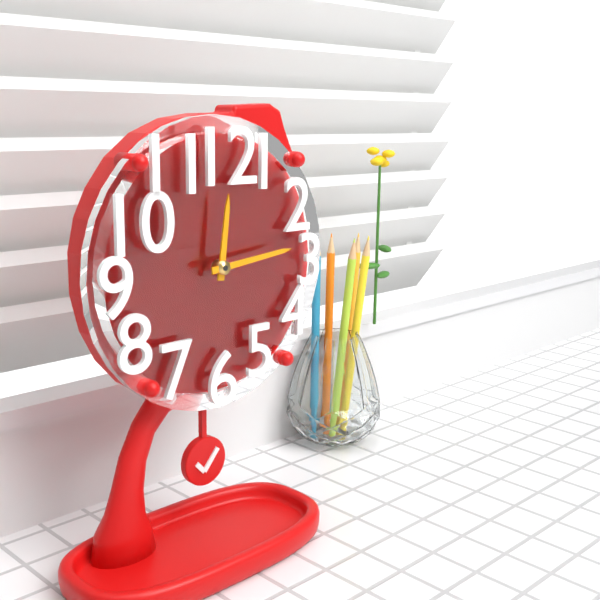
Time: h=12 m=14
